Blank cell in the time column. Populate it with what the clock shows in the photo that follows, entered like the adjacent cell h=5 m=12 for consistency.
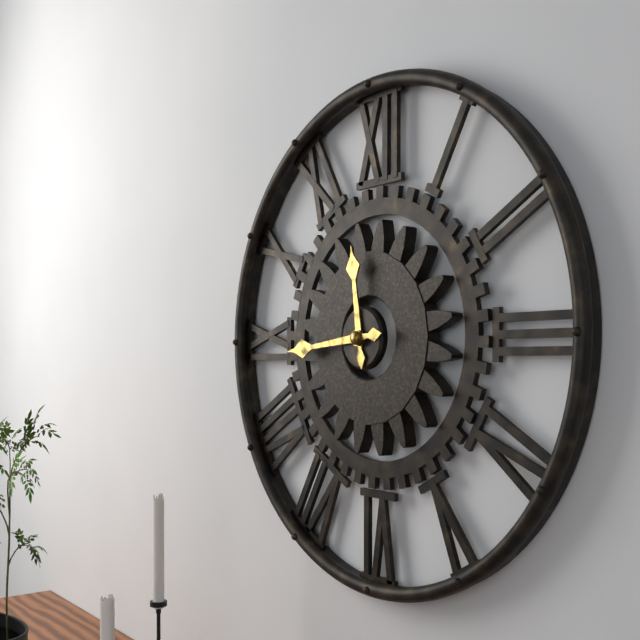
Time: h=11 m=44
